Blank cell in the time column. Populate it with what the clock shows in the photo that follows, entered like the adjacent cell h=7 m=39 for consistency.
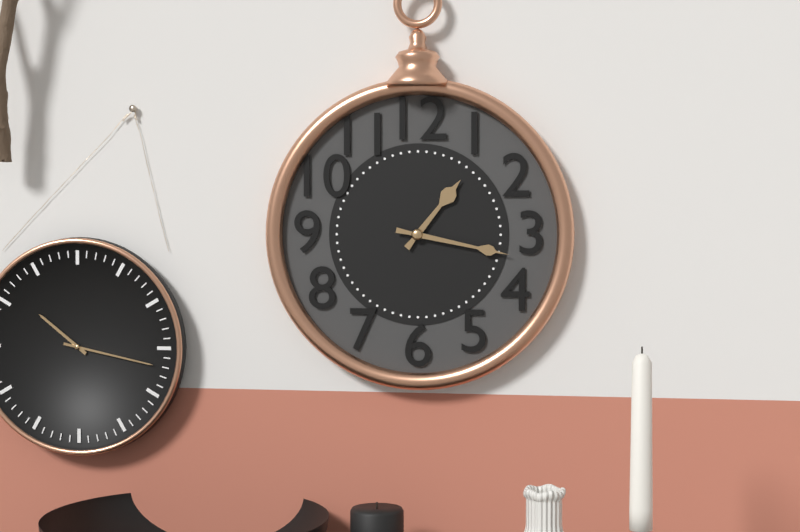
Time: h=1 m=17
